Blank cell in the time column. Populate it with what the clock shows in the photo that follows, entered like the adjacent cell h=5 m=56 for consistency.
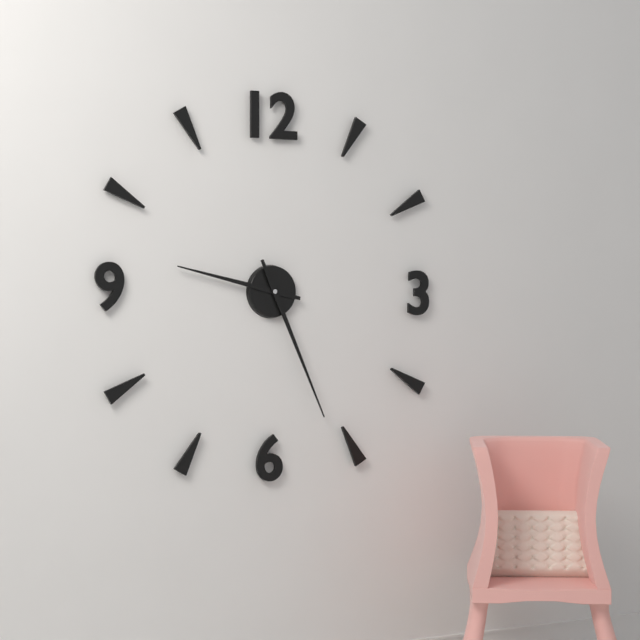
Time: h=9 m=26
